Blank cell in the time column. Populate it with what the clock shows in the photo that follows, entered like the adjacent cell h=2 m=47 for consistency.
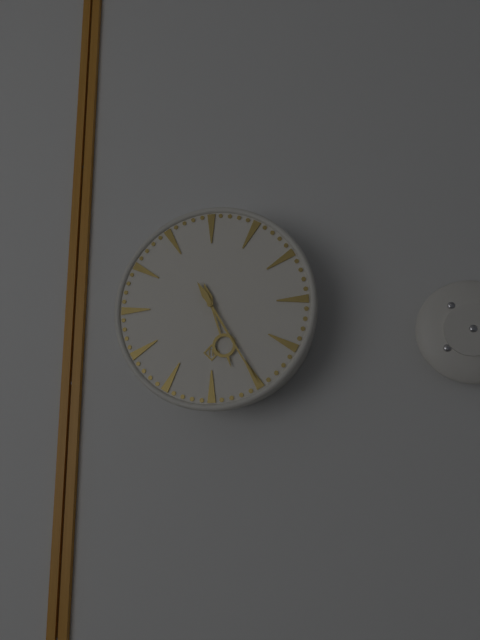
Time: h=5 m=25
